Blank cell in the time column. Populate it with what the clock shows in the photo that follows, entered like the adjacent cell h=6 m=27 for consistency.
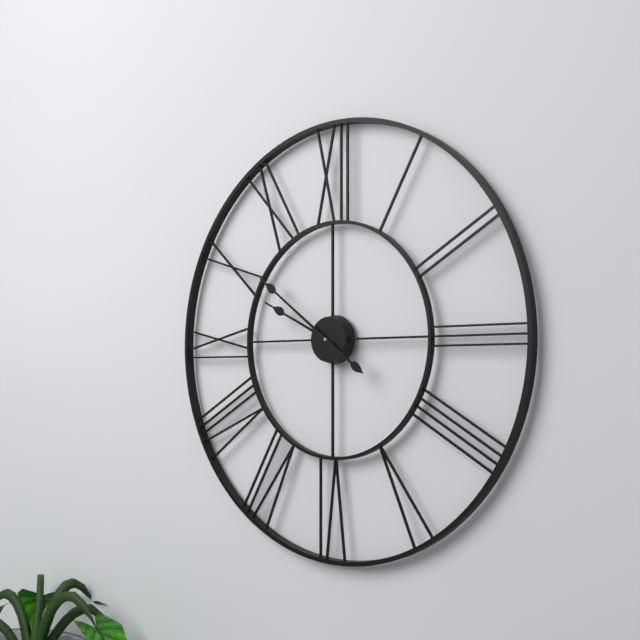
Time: h=9 m=51
